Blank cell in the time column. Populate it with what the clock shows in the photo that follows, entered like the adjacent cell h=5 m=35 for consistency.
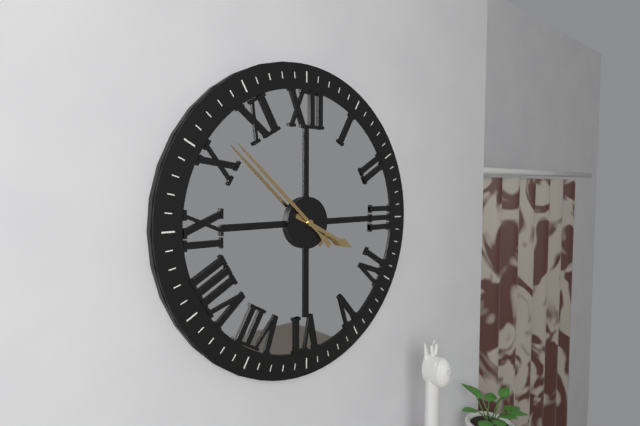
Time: h=3 m=52
